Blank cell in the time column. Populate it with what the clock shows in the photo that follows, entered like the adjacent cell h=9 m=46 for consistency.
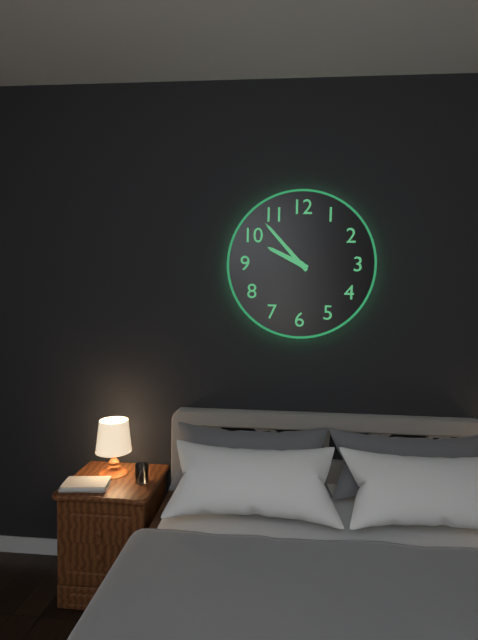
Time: h=9 m=53
